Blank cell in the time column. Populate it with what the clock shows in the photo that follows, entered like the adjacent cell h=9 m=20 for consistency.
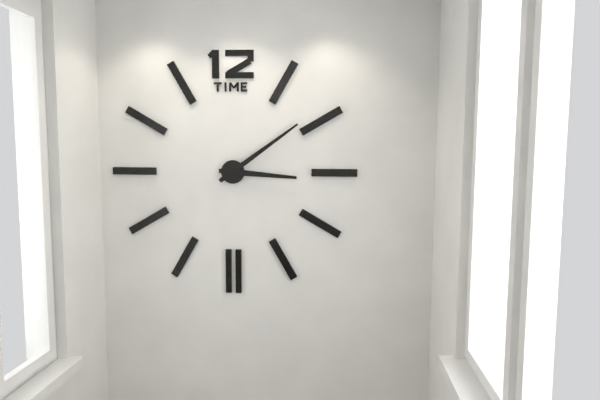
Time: h=3 m=9
